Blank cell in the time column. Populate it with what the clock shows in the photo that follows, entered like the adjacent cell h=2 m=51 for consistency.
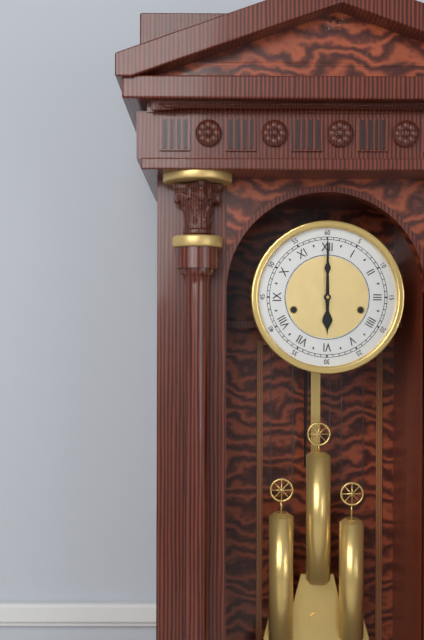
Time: h=6 m=0
